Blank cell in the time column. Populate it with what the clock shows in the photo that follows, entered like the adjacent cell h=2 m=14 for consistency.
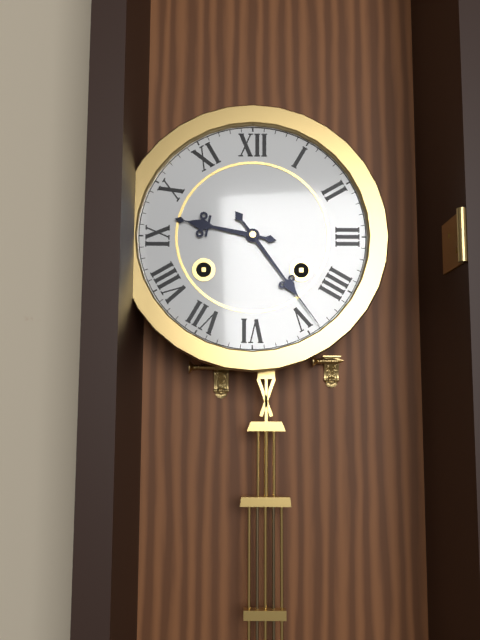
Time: h=9 m=24
